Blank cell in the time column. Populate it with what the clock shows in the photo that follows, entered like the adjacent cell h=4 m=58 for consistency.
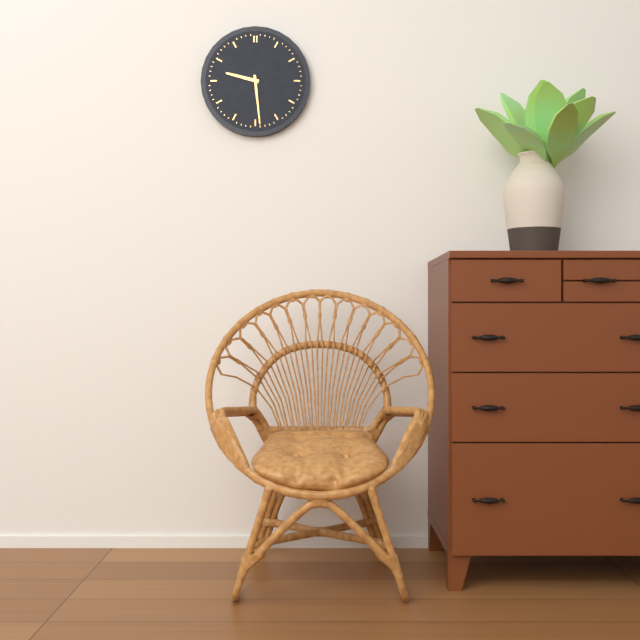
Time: h=9 m=29
